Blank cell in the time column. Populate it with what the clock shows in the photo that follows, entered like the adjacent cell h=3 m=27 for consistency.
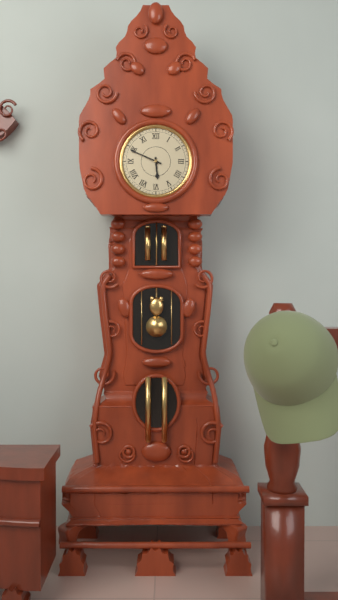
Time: h=5 m=49
